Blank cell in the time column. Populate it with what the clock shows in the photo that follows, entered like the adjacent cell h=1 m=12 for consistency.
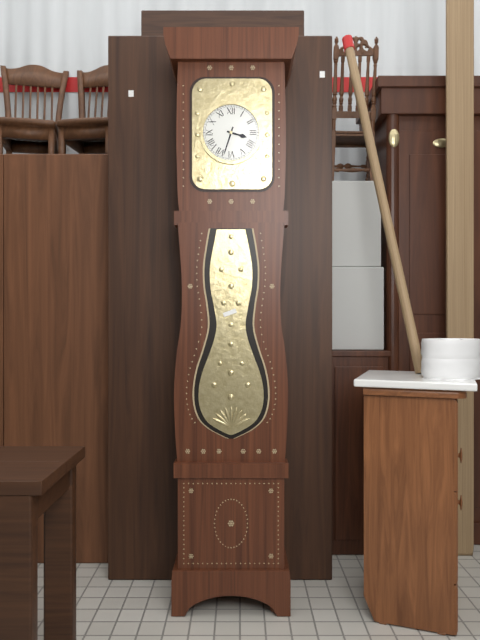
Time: h=3 m=33
